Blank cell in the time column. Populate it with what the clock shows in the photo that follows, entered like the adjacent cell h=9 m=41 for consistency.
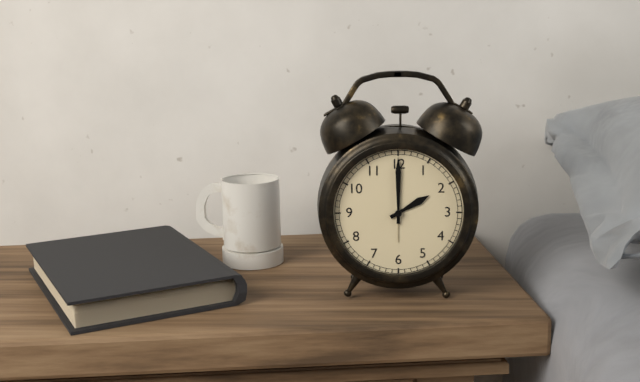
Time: h=2 m=0
